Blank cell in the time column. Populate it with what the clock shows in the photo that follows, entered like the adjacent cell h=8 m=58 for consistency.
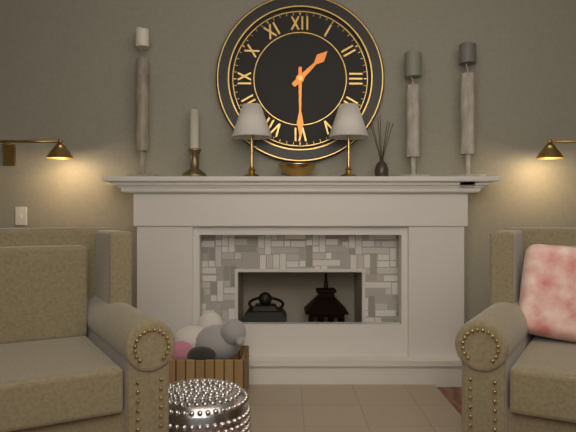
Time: h=1 m=30
